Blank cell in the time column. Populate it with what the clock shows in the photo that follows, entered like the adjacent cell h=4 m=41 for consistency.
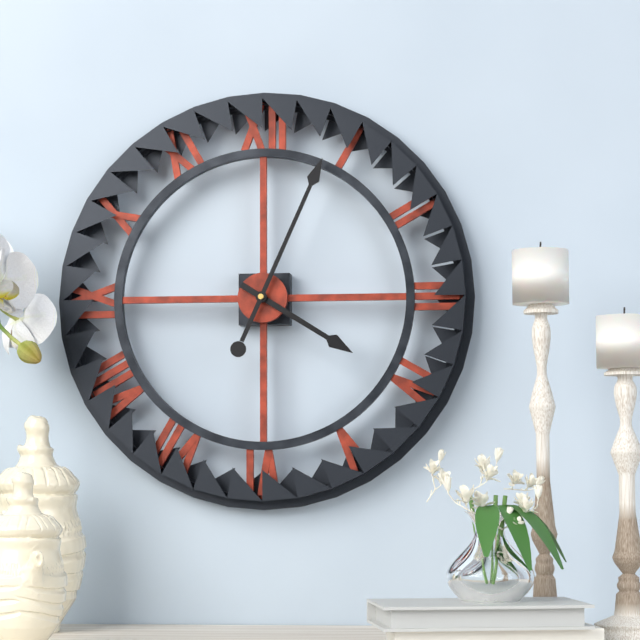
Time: h=4 m=4
